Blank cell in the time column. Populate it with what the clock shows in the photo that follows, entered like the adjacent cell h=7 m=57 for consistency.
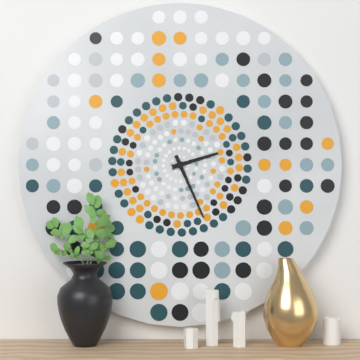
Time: h=2 m=26
